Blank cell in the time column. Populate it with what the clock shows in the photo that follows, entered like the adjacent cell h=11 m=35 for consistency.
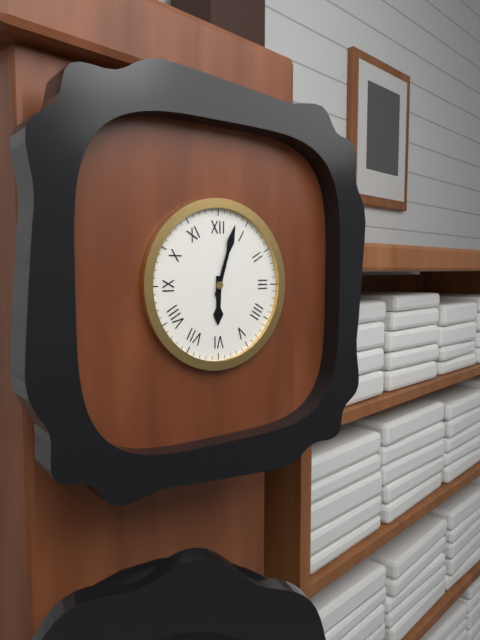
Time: h=6 m=3
